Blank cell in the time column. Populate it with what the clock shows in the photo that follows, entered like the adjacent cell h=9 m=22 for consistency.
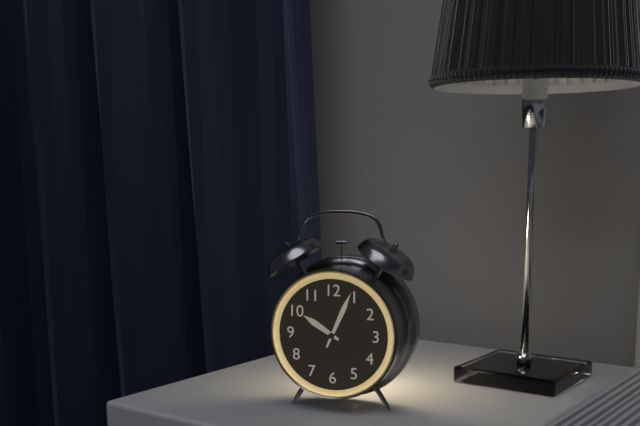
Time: h=10 m=4
